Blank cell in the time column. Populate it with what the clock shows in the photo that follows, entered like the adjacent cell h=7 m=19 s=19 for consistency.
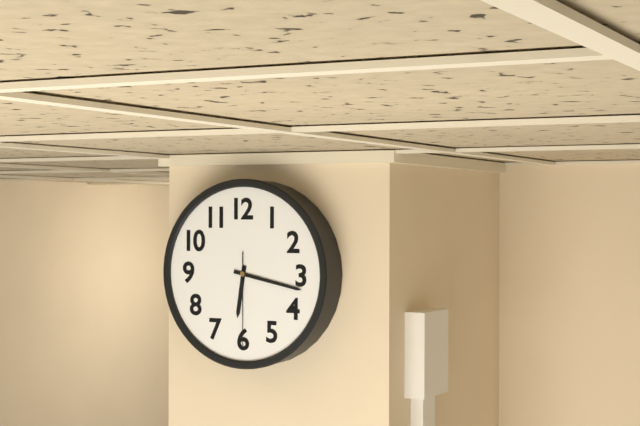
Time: h=6 m=17 s=30
